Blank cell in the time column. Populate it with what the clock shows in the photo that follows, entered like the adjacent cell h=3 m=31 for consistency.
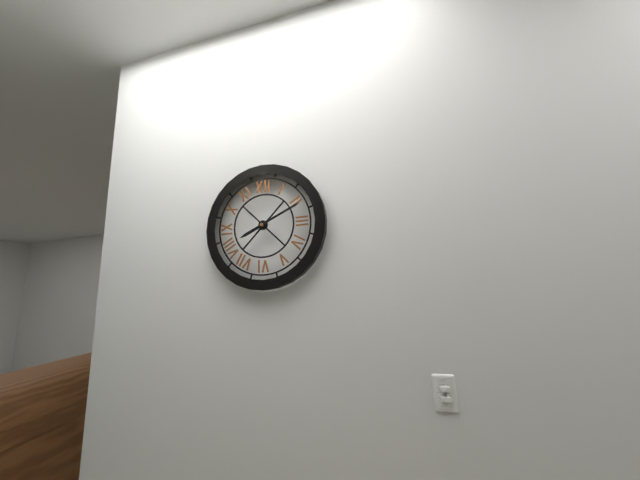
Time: h=8 m=11
